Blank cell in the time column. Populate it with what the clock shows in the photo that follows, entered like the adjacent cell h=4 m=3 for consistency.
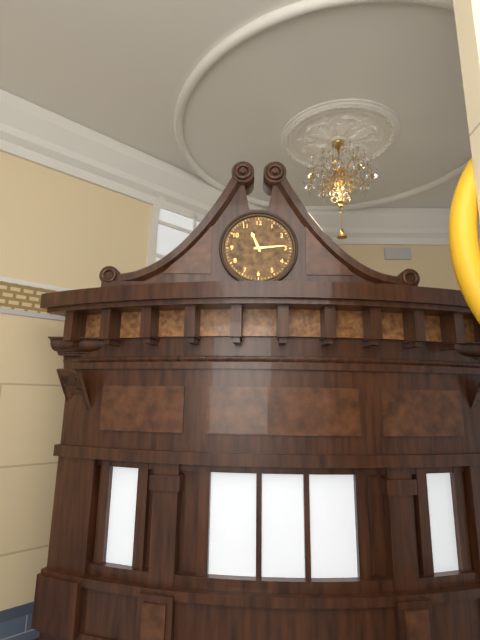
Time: h=11 m=14
